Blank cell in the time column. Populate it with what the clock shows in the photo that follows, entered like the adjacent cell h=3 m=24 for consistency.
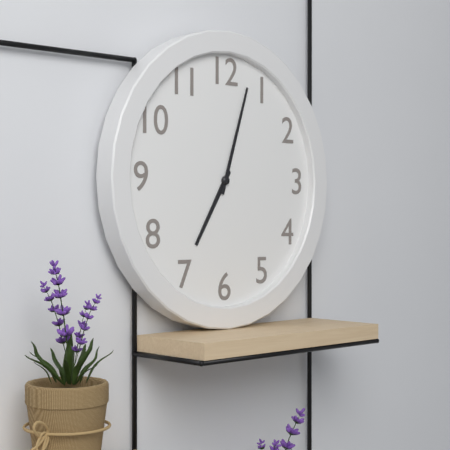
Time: h=7 m=3
